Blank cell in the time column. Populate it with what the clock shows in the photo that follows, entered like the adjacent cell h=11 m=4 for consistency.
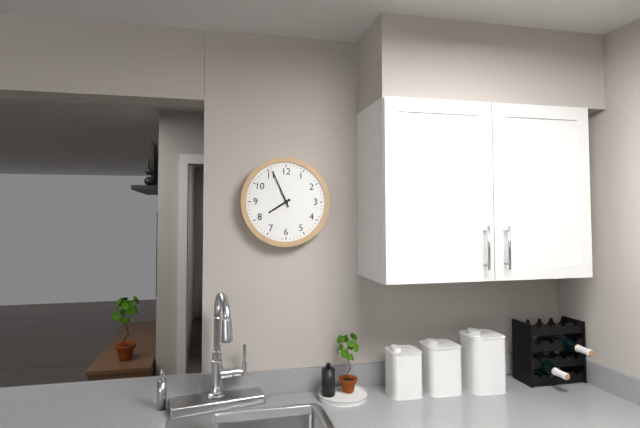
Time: h=7 m=56
